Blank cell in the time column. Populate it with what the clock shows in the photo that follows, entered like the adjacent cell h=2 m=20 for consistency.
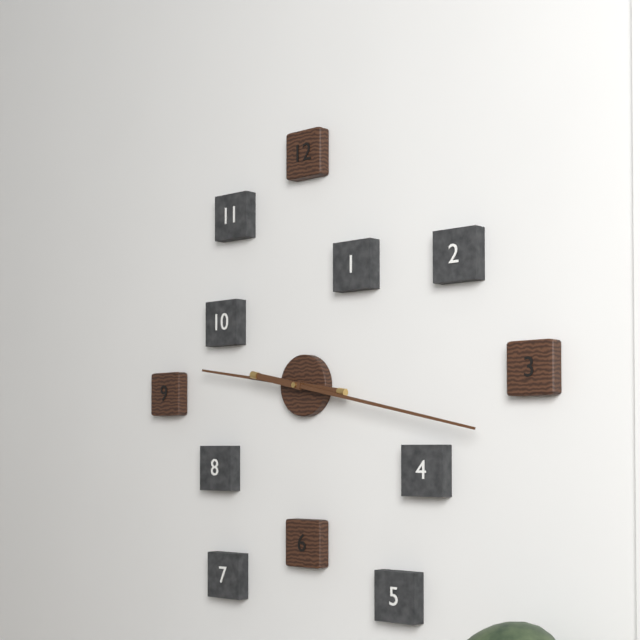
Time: h=9 m=17
